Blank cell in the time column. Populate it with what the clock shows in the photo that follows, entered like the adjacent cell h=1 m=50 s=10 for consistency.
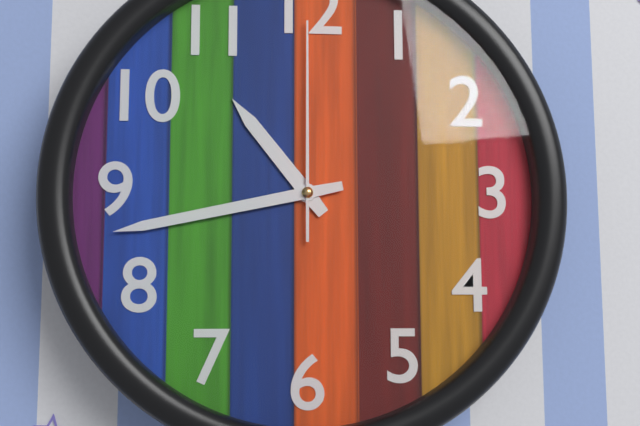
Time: h=10 m=43 s=0
